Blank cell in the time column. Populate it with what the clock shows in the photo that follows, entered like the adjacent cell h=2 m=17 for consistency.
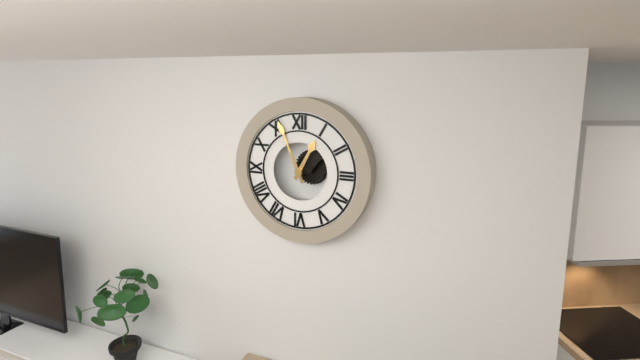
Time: h=12 m=56
